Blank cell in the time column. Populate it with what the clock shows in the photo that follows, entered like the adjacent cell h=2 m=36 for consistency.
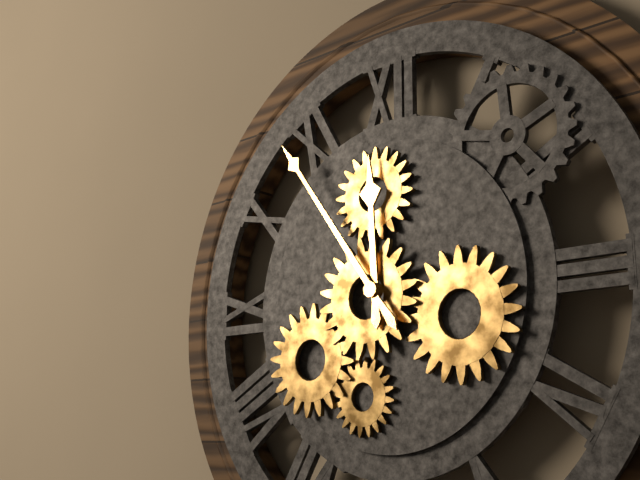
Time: h=11 m=54
